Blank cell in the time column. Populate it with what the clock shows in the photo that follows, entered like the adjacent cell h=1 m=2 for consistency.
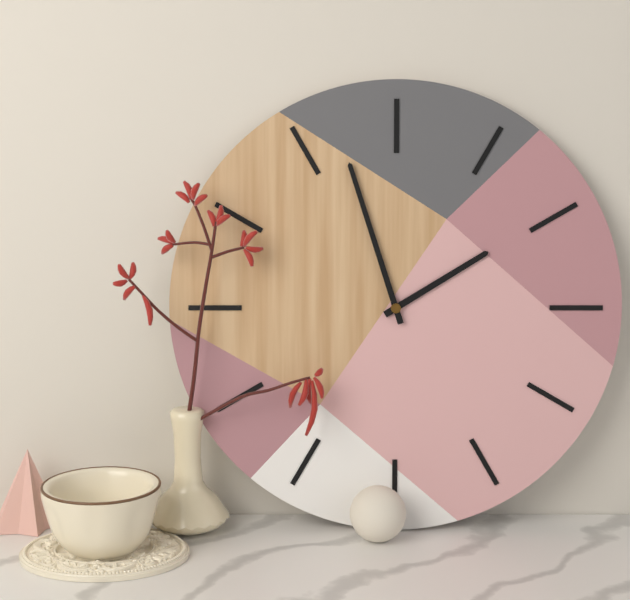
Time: h=1 m=57
